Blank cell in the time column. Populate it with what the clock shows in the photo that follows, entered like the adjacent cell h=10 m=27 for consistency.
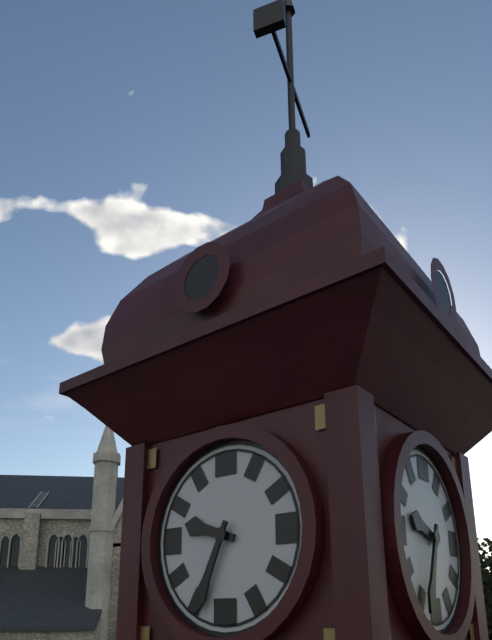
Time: h=9 m=34
